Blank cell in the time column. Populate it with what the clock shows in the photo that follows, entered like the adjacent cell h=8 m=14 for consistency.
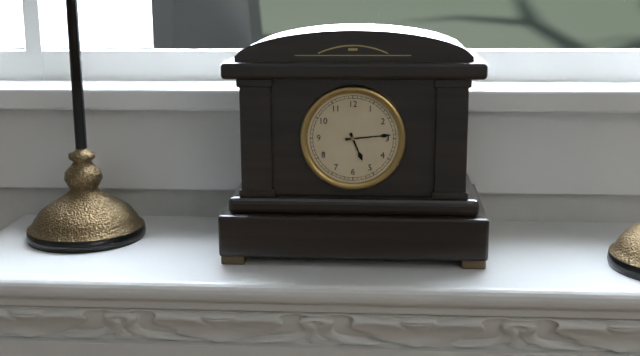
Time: h=5 m=14
